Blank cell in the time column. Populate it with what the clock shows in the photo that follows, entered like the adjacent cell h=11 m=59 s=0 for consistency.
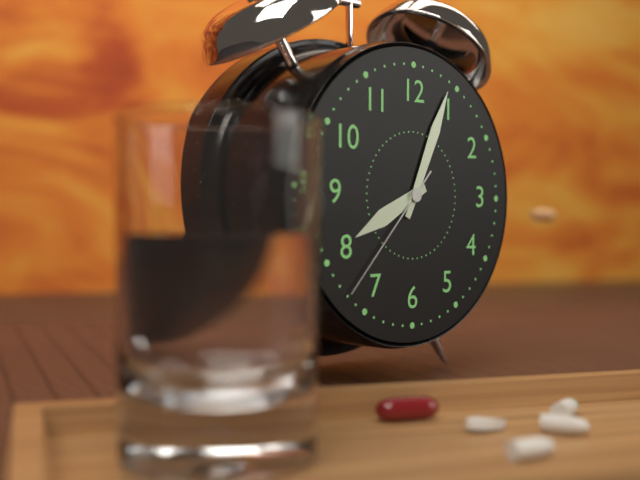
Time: h=8 m=4 s=37
